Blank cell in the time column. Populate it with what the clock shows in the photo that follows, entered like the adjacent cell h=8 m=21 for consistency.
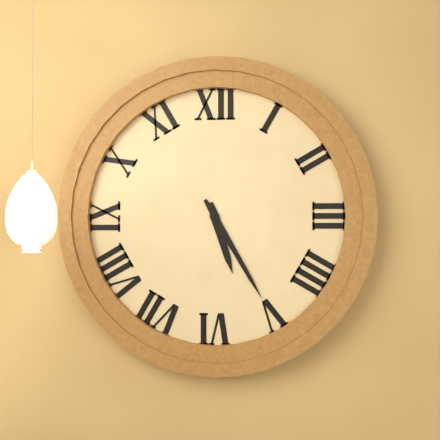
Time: h=5 m=25
